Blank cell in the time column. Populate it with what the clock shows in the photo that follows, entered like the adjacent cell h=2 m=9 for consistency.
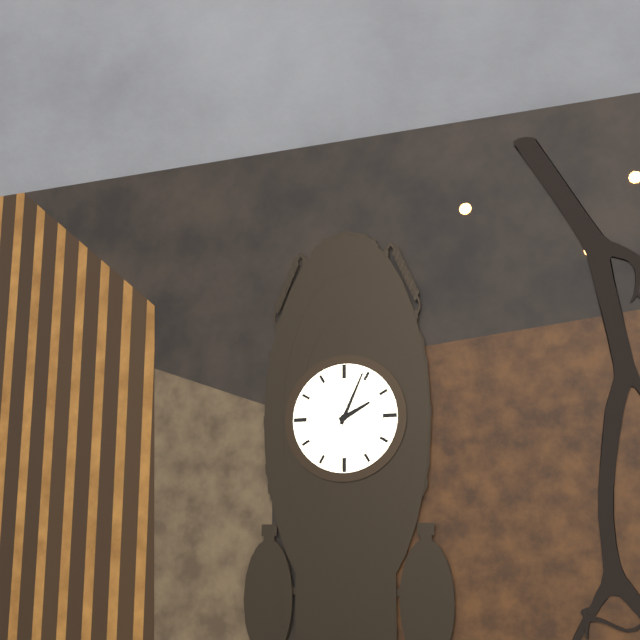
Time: h=2 m=4
